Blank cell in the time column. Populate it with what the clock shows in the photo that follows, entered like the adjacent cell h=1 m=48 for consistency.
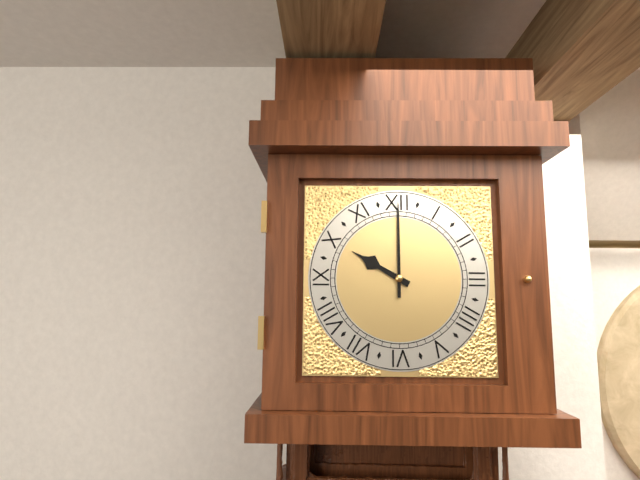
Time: h=10 m=0
